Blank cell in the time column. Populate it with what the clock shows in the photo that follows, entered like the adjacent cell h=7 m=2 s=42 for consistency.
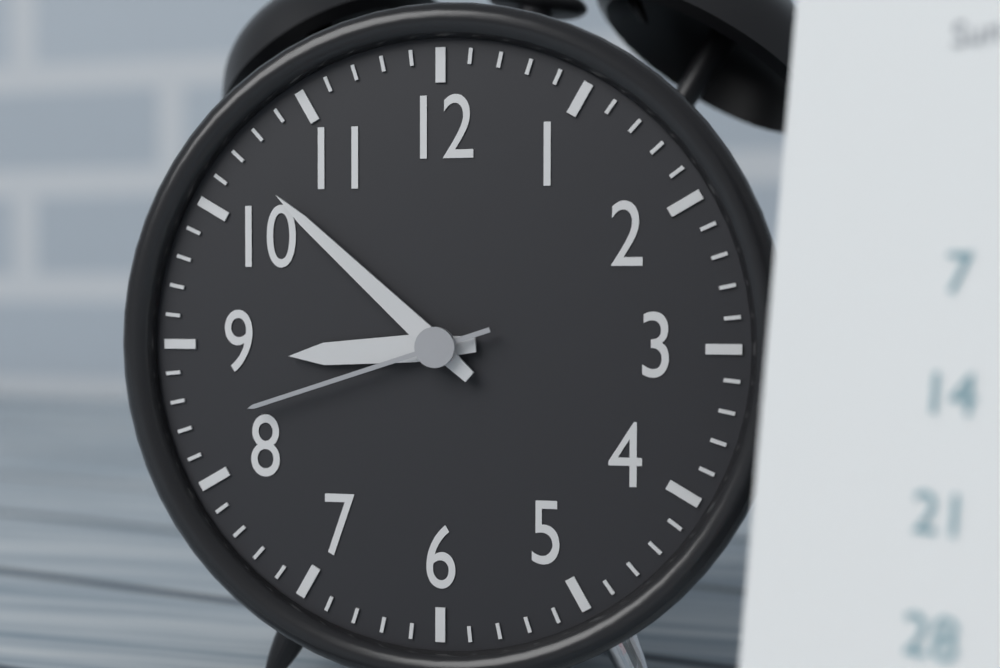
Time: h=8 m=52 s=42
